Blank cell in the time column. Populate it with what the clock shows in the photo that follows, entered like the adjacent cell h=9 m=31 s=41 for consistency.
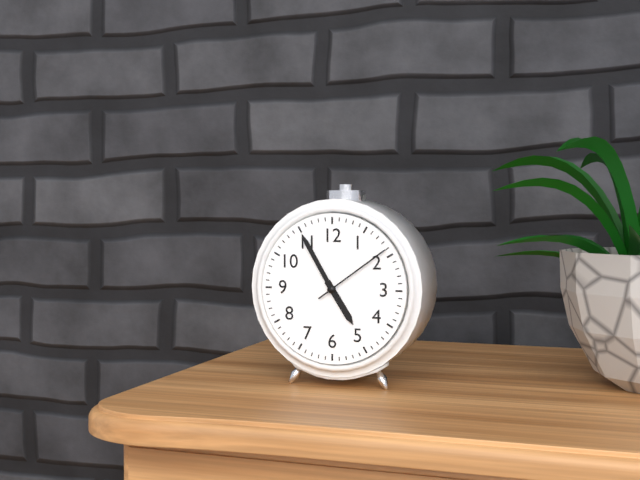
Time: h=4 m=55 s=9
